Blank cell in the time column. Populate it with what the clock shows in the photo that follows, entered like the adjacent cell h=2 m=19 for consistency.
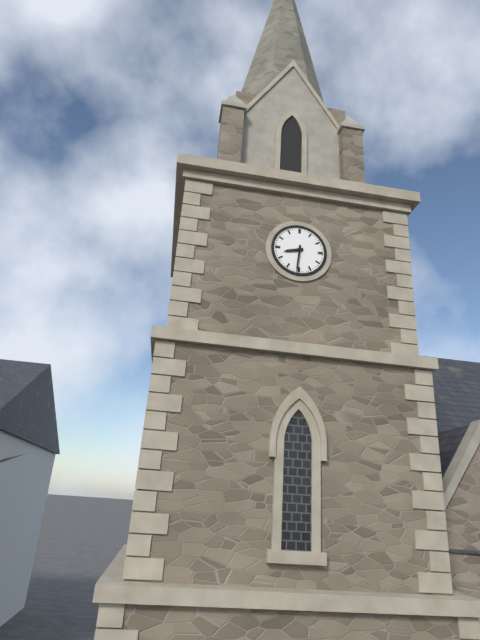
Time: h=8 m=31
